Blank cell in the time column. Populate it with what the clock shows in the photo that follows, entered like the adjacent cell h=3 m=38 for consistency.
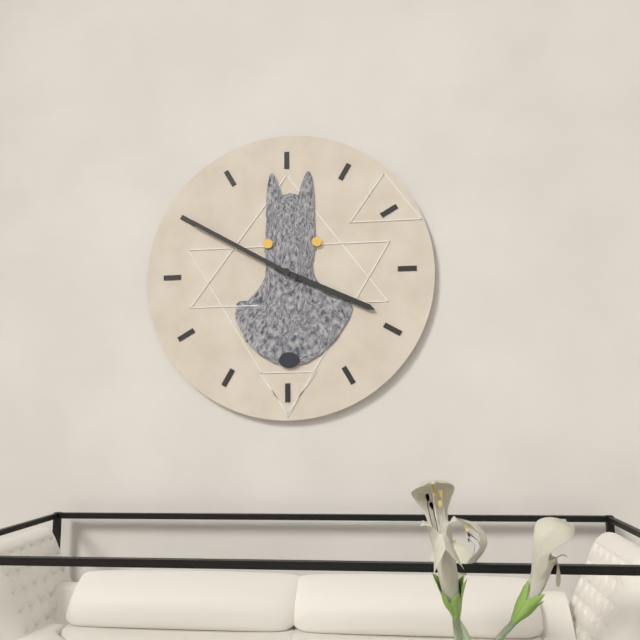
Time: h=3 m=50
